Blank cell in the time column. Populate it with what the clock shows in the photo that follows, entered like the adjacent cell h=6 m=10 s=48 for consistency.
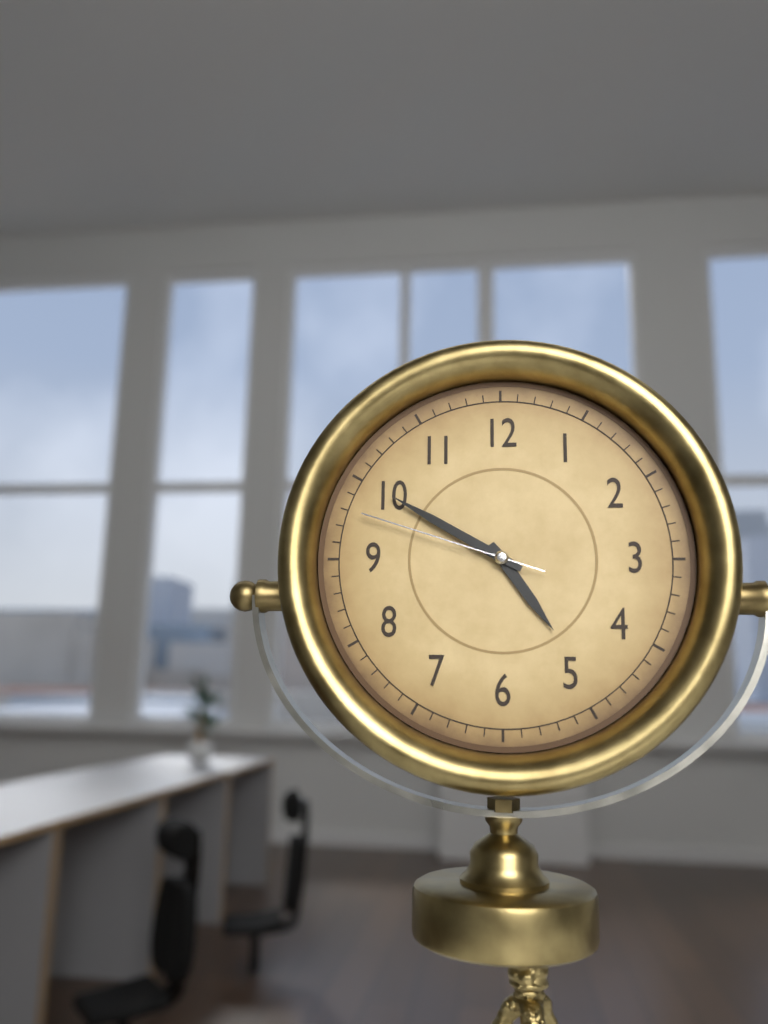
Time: h=4 m=50 s=48
